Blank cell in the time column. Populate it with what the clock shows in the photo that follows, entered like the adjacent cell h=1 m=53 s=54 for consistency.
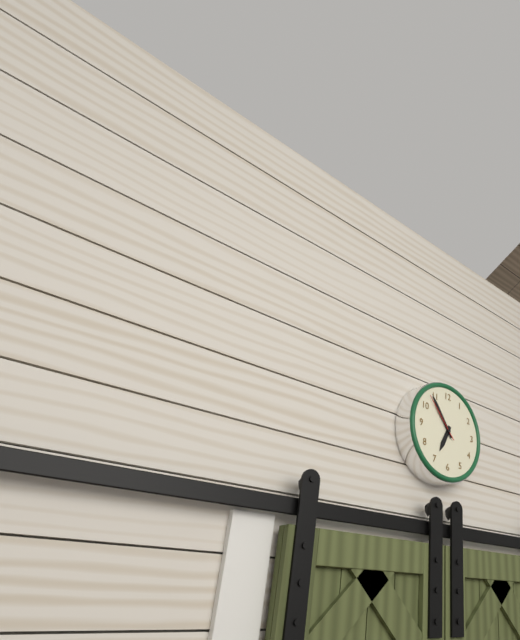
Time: h=6 m=54 s=53
